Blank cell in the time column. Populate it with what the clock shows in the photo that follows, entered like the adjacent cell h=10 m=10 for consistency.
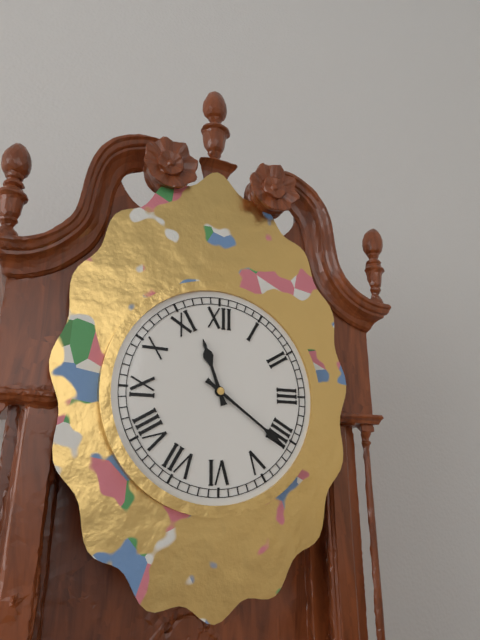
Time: h=11 m=21
